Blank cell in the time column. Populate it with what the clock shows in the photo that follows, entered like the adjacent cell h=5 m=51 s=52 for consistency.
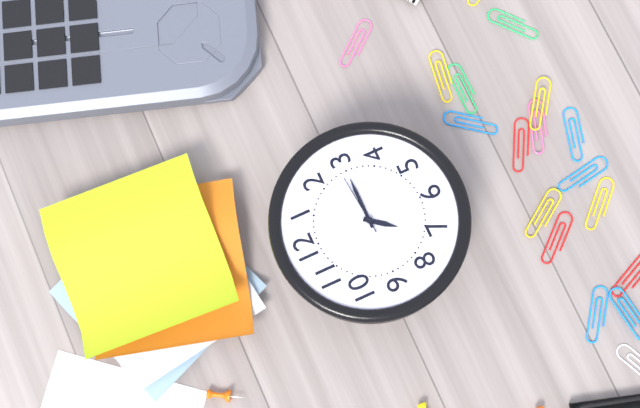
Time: h=7 m=15 s=14
